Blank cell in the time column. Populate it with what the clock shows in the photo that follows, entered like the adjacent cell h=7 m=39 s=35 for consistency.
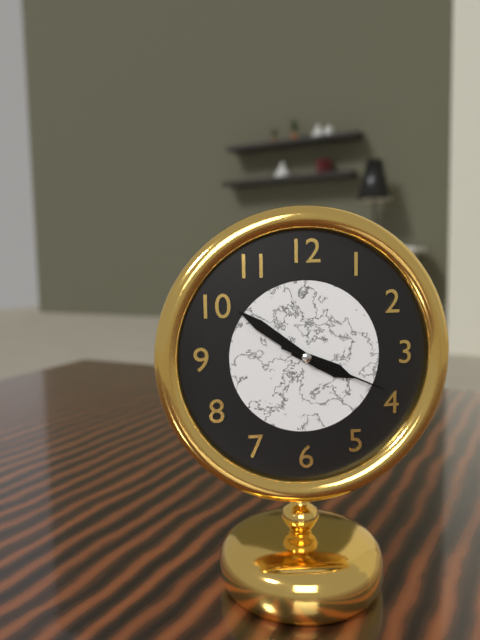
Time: h=3 m=51 s=19
